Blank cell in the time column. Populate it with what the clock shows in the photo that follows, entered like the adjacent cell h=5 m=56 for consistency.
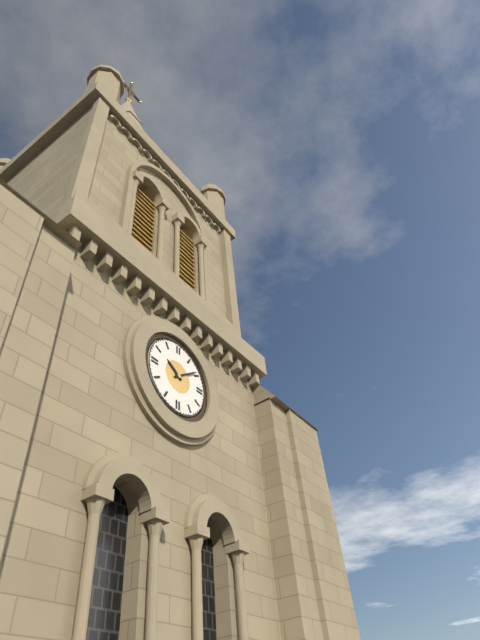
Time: h=10 m=9
